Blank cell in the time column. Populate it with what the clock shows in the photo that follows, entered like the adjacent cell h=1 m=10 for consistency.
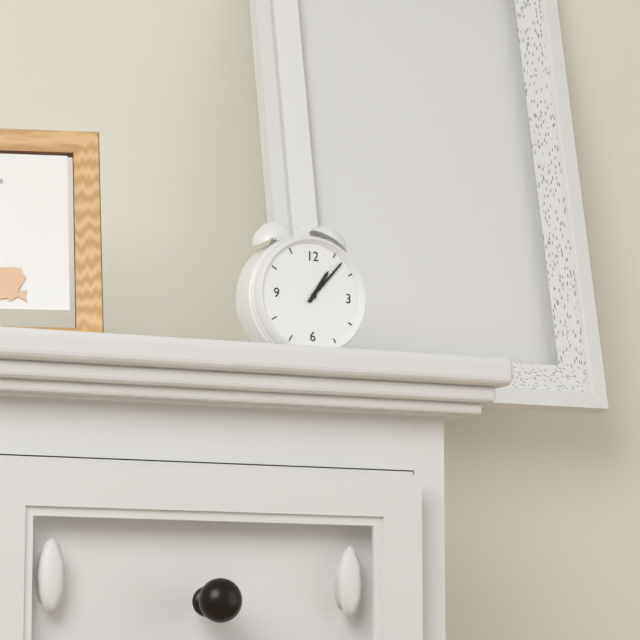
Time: h=1 m=7
